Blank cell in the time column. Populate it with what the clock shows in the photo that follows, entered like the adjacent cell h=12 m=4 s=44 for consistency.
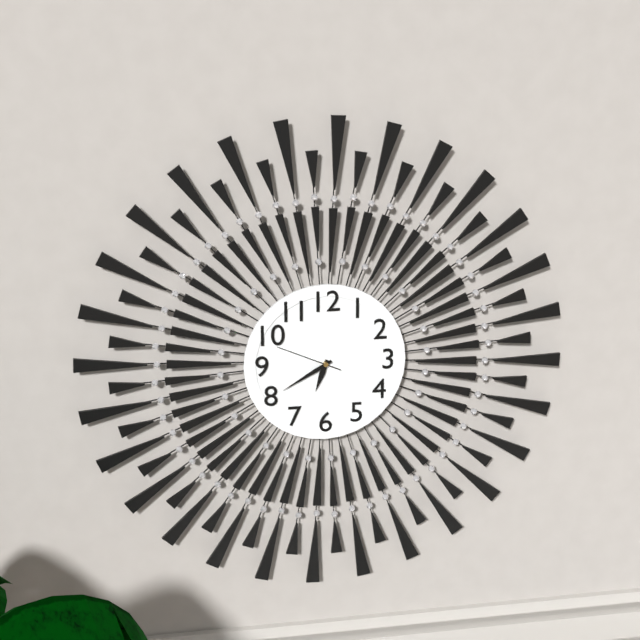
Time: h=6 m=40 s=49
